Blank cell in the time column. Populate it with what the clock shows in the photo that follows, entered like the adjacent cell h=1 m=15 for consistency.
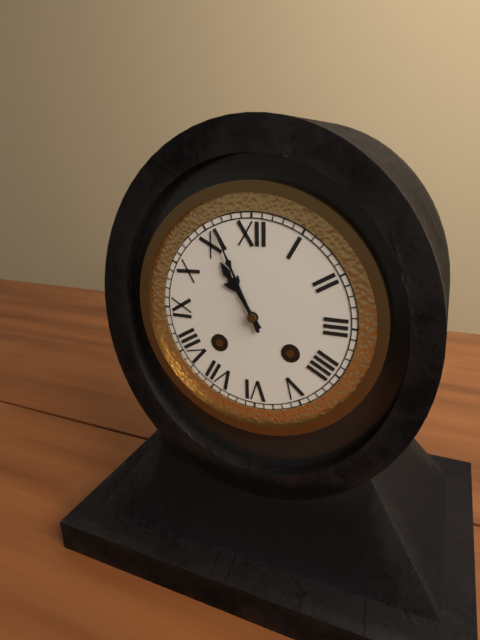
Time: h=10 m=56
